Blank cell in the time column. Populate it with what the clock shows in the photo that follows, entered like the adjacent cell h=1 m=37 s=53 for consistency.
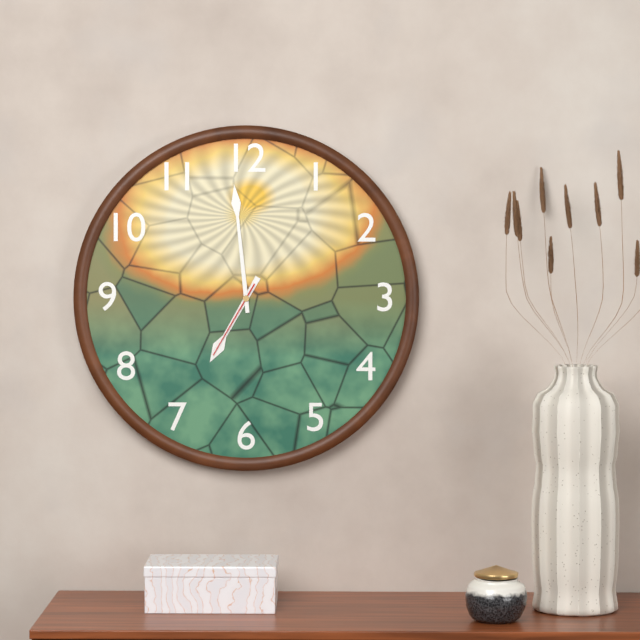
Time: h=6 m=59 s=35
